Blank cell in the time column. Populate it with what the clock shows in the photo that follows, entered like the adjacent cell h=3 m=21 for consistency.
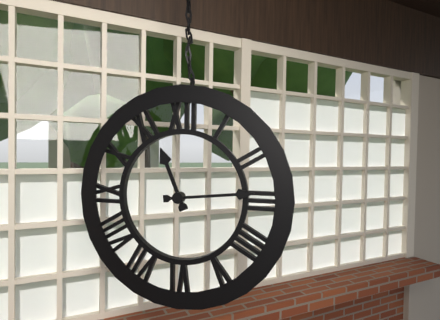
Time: h=11 m=14
